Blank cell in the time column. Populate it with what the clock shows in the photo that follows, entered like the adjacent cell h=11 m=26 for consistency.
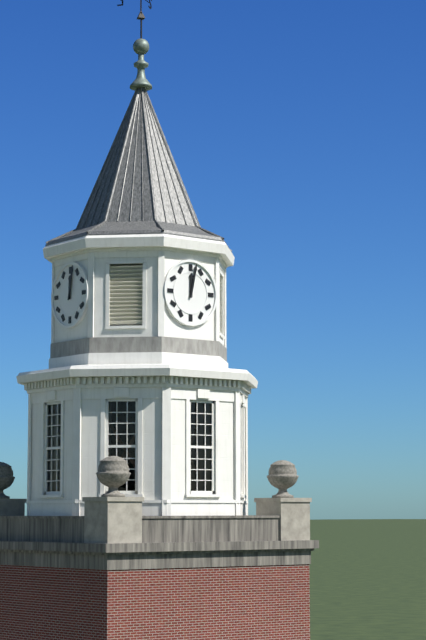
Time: h=12 m=2
